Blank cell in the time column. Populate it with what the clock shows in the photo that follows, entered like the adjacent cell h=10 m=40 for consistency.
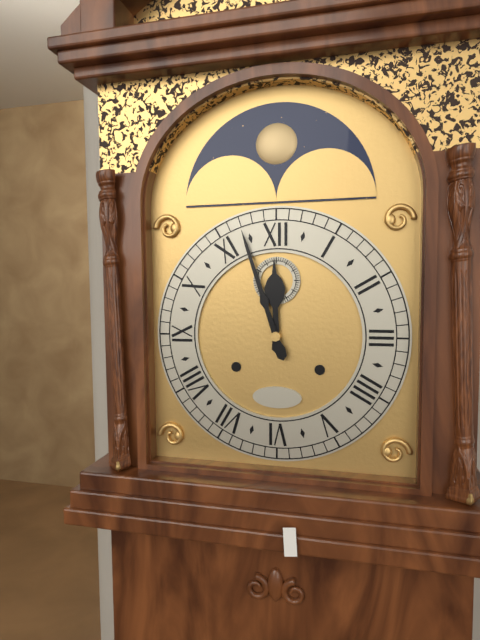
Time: h=11 m=57
